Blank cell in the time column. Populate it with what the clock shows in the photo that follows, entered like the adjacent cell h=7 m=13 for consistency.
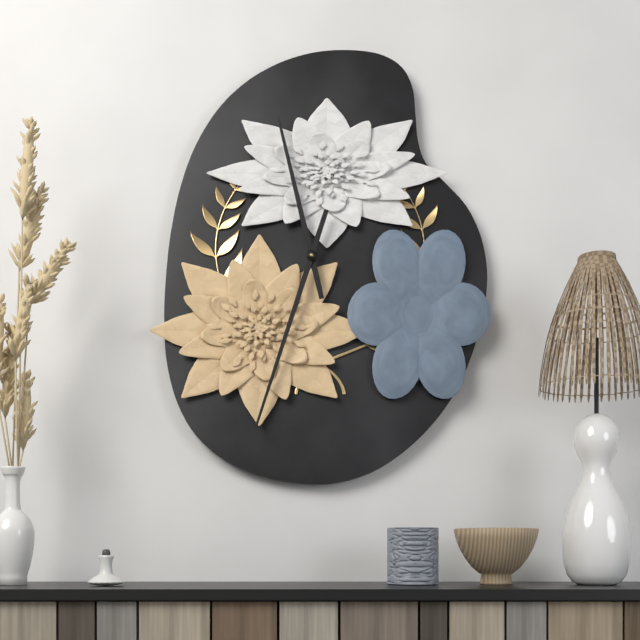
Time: h=11 m=33
